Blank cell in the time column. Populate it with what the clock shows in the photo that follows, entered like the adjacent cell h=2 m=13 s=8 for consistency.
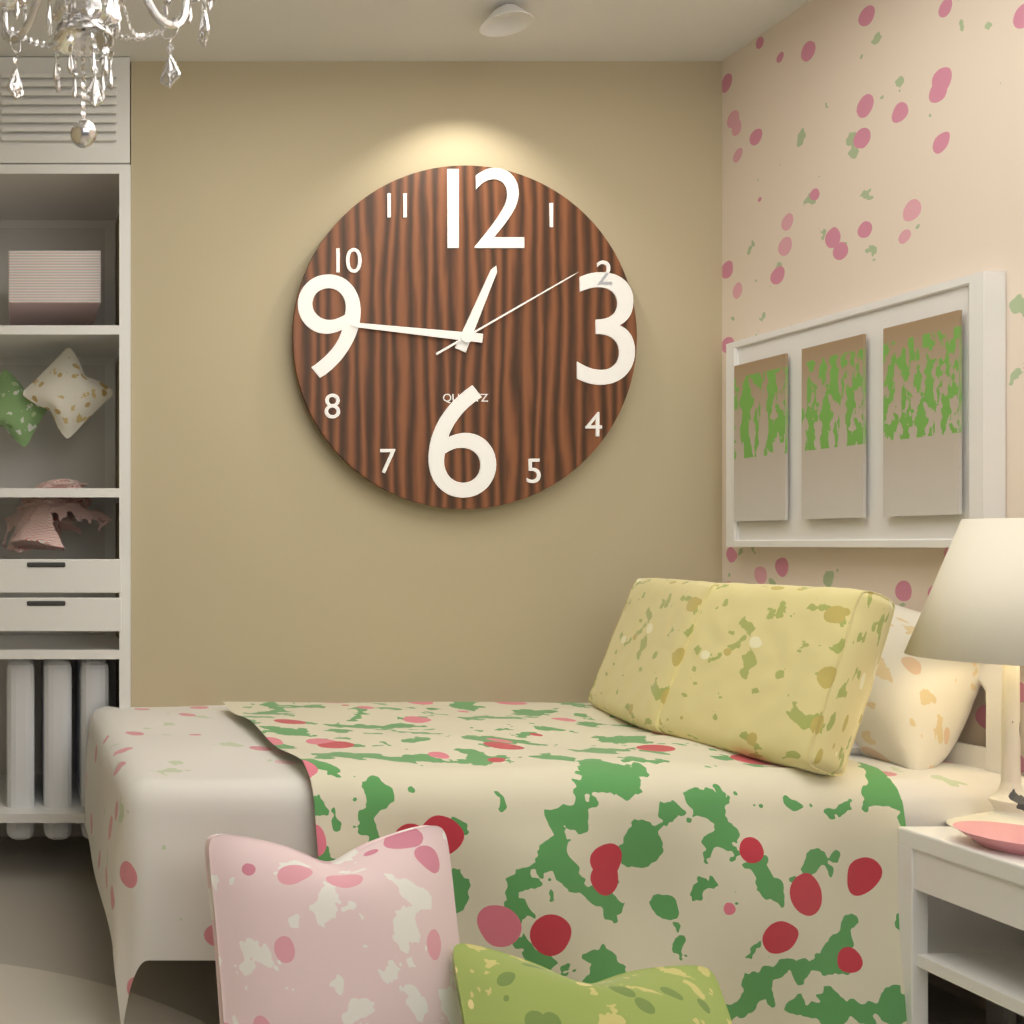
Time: h=12 m=46 s=10
